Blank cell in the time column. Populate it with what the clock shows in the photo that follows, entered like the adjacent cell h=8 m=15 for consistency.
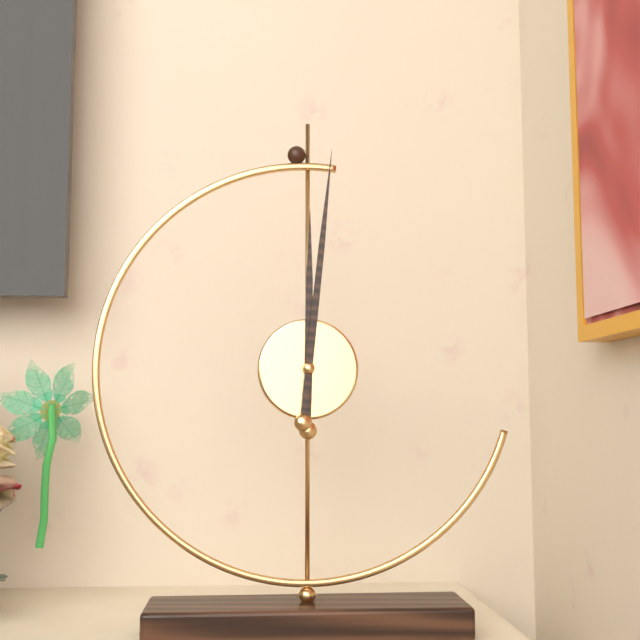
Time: h=12 m=1
